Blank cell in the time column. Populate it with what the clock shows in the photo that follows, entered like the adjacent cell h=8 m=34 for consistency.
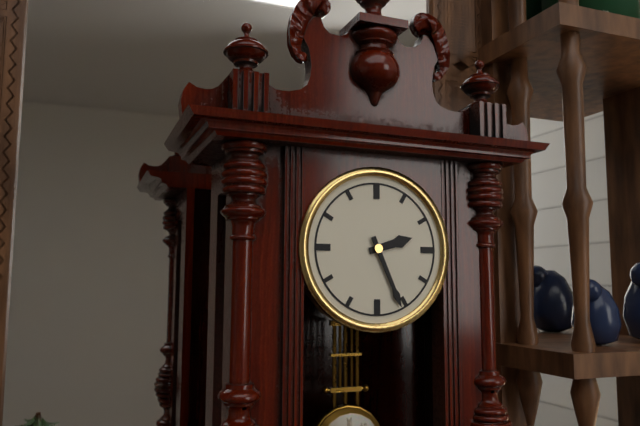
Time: h=2 m=26
